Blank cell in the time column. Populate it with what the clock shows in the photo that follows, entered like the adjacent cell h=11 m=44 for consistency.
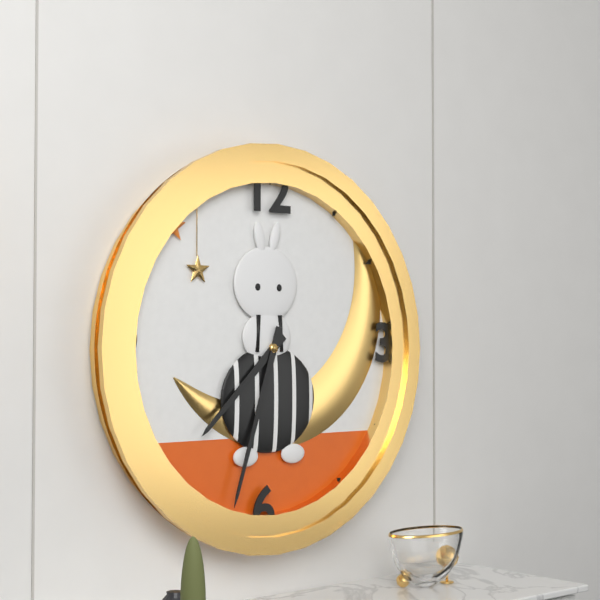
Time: h=7 m=33
